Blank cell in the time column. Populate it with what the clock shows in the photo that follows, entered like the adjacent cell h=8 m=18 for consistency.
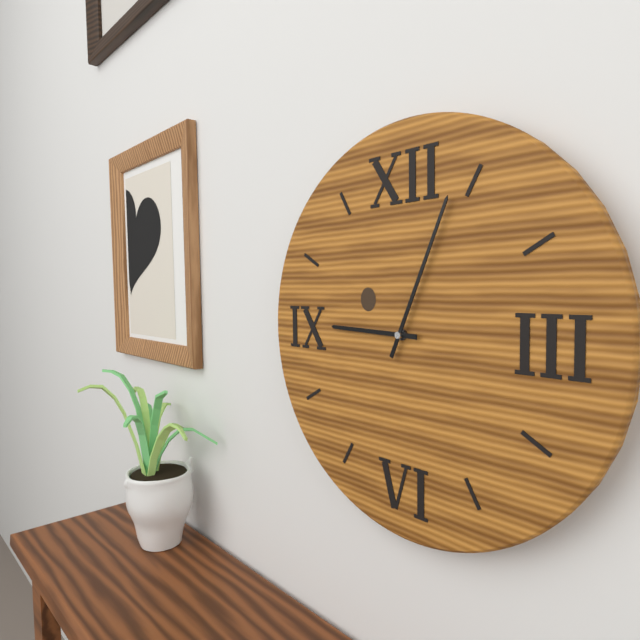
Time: h=9 m=4
